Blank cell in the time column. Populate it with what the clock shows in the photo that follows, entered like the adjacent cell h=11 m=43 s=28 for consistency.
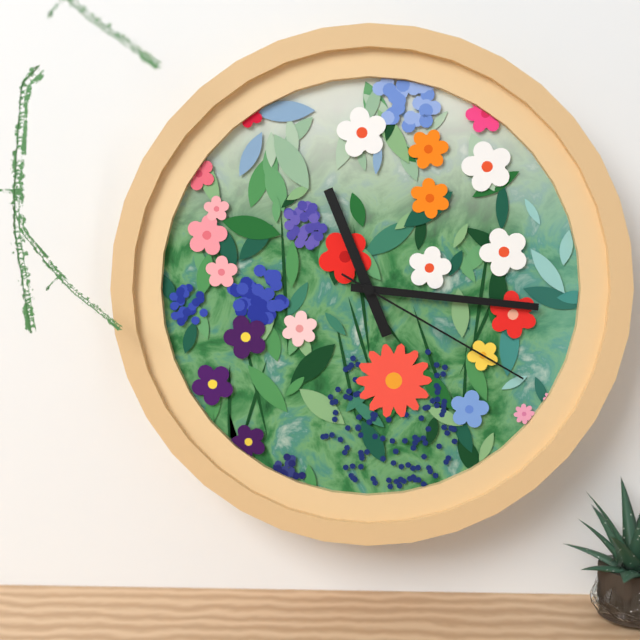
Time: h=11 m=16 s=20
